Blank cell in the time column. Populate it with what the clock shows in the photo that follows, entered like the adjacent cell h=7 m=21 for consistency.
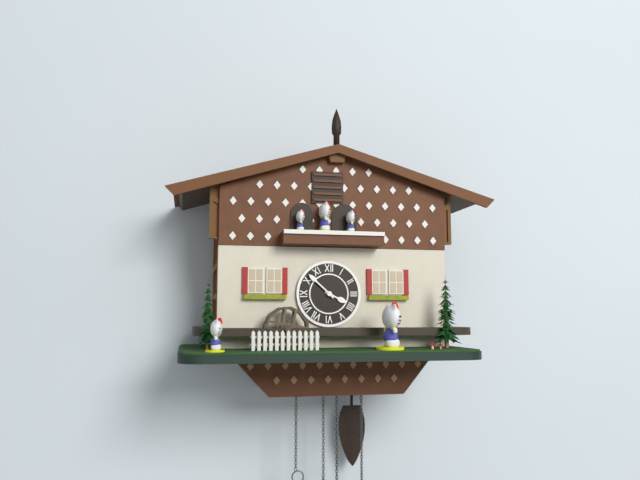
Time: h=3 m=52
